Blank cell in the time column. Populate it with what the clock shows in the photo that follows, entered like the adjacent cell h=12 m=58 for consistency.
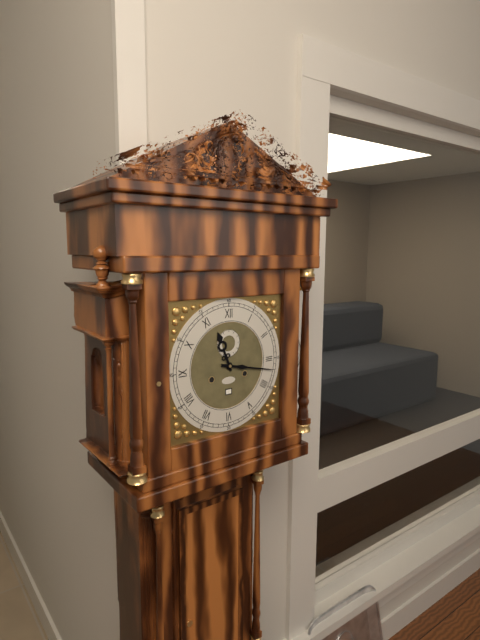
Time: h=11 m=17
